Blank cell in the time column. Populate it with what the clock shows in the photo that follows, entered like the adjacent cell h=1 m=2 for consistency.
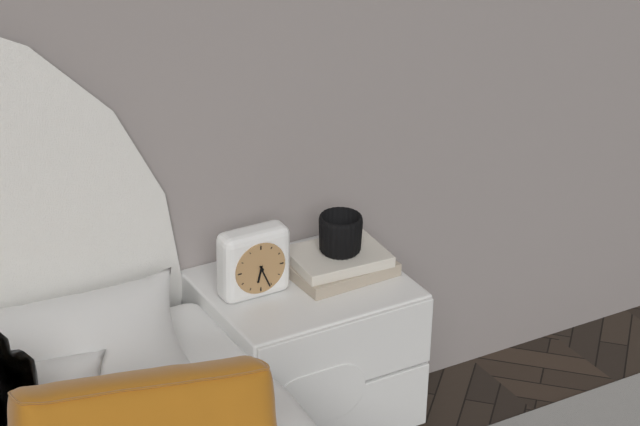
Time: h=6 m=26
